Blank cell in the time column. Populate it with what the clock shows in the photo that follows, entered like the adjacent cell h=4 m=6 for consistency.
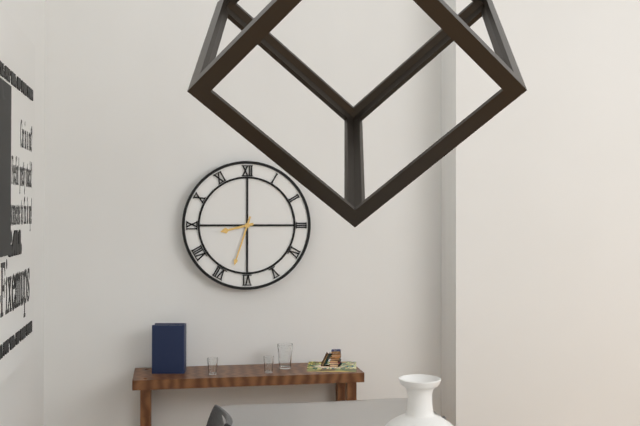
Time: h=8 m=33
